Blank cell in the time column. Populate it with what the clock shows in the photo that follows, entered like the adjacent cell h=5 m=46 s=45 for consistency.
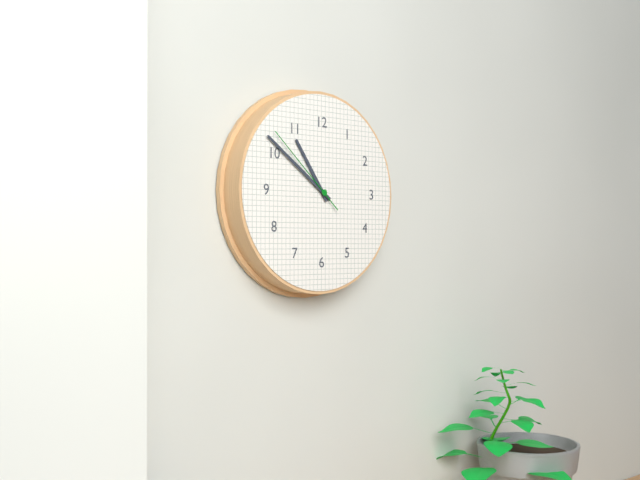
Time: h=10 m=51 s=52
